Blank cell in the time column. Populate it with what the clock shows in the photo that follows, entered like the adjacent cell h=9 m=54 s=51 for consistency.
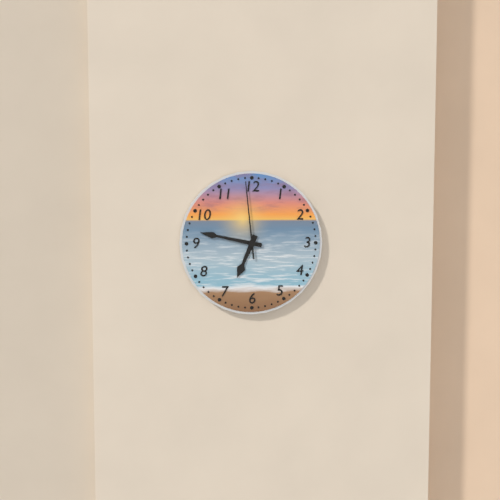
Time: h=6 m=47 s=59
